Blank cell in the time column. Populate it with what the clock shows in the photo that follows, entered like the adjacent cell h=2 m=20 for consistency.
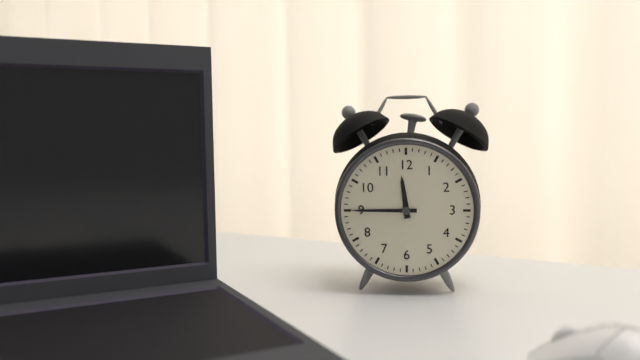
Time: h=11 m=45
